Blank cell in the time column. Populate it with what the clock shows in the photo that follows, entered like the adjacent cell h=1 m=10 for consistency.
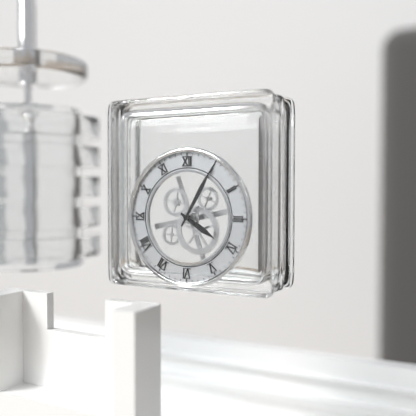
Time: h=4 m=5
